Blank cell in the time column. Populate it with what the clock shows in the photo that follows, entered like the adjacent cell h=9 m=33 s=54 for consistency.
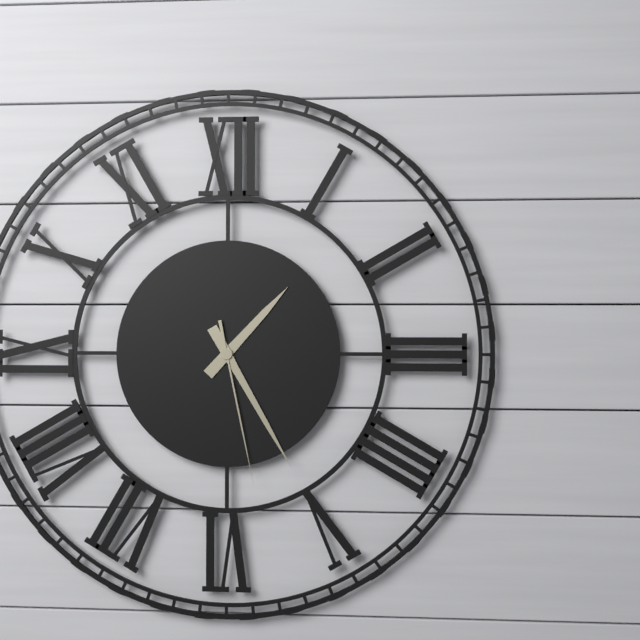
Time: h=1 m=25 s=28
